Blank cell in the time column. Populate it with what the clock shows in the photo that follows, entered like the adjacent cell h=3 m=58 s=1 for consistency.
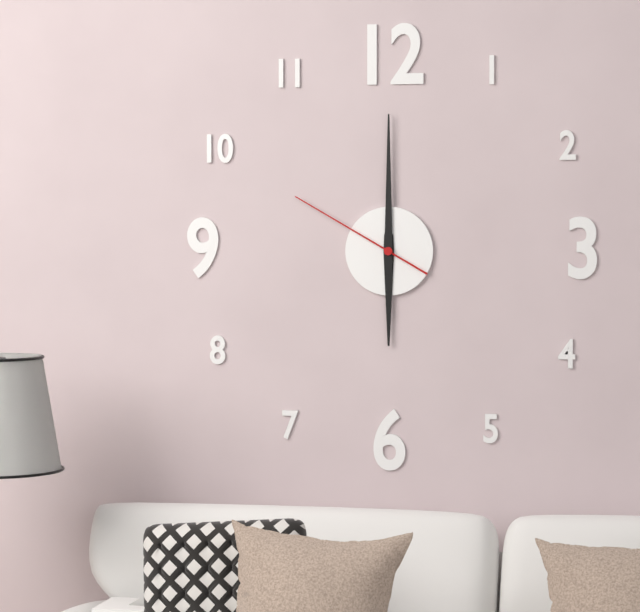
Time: h=6 m=0 s=50
